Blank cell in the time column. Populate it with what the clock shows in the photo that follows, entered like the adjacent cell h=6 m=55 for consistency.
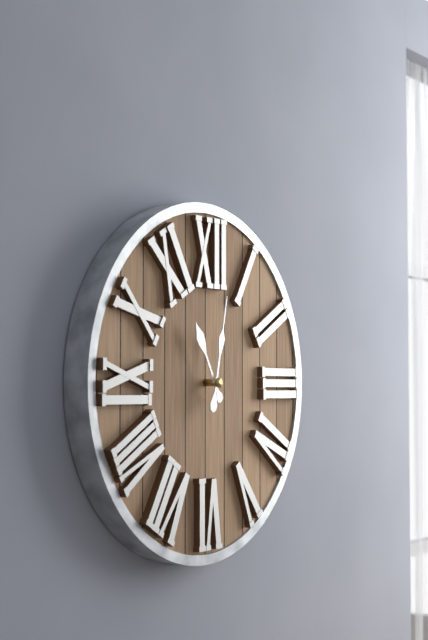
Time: h=11 m=2
